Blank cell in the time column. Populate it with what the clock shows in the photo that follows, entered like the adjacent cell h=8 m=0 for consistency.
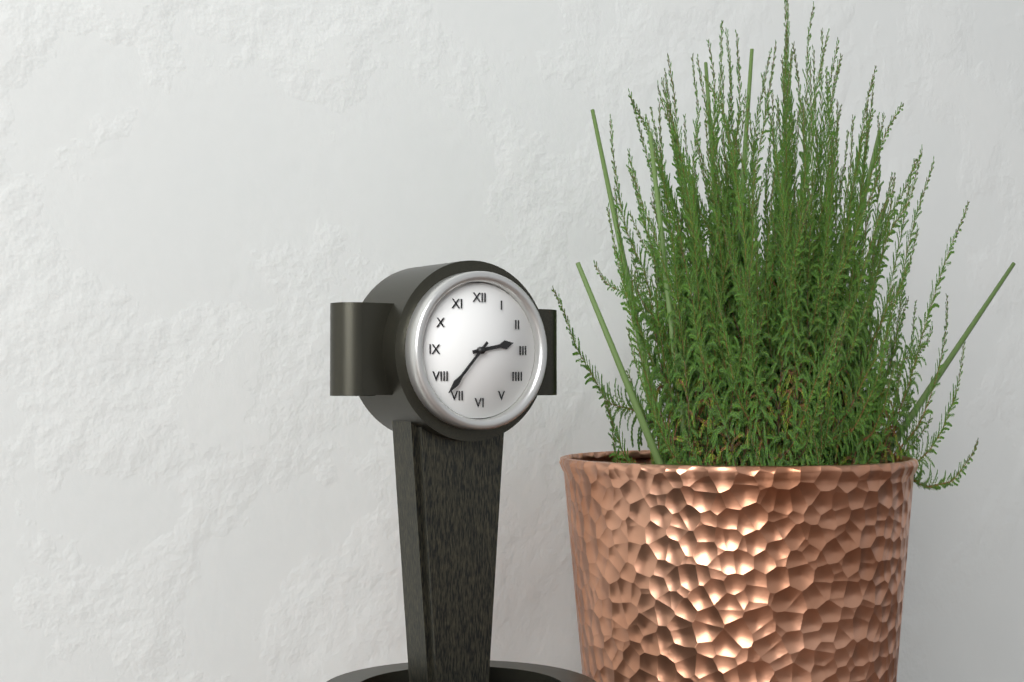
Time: h=2 m=37
